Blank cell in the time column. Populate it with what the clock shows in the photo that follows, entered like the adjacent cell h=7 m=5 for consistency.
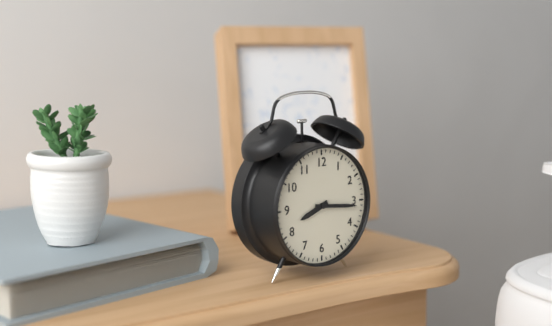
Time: h=8 m=16
